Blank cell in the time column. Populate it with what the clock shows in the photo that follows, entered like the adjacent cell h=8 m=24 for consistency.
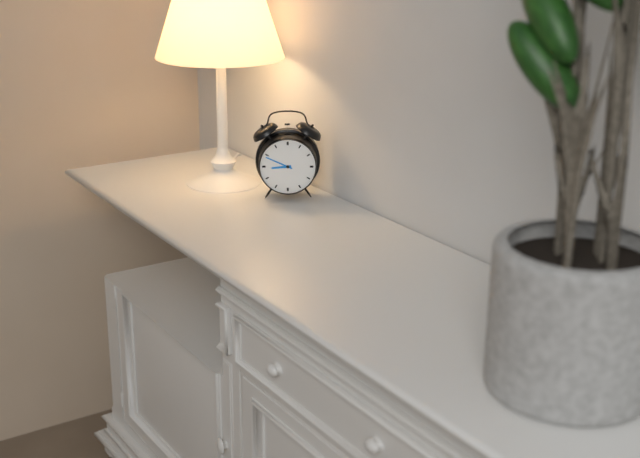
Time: h=8 m=49
